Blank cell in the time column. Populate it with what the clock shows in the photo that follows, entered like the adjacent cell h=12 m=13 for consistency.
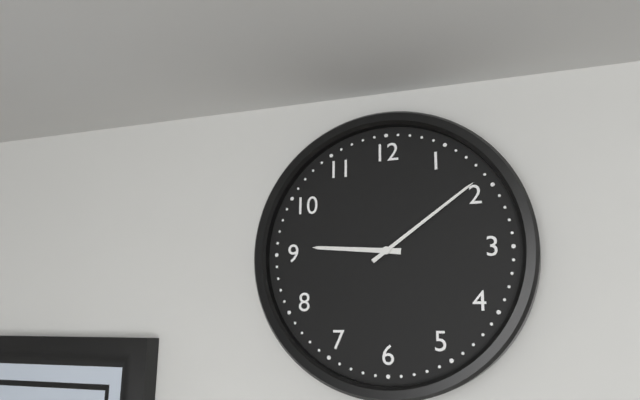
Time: h=9 m=9
